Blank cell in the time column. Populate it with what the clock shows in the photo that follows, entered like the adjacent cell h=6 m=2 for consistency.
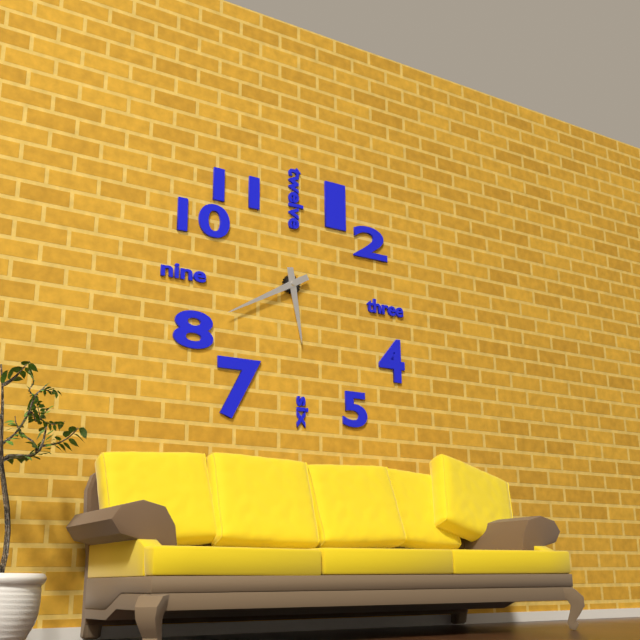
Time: h=5 m=40
